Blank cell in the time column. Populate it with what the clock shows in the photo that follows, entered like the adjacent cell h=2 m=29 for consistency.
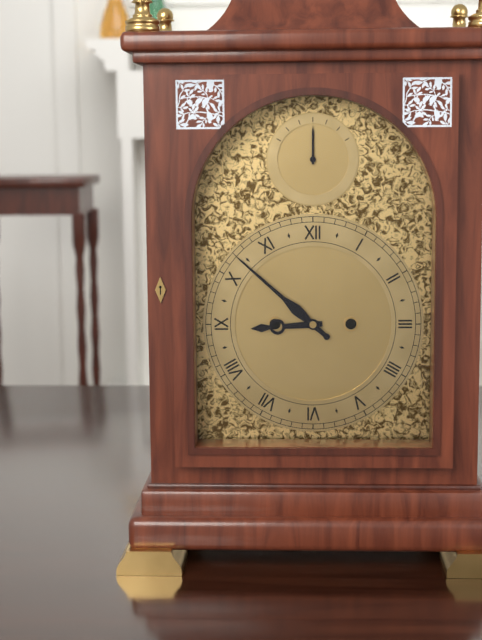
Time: h=8 m=52
